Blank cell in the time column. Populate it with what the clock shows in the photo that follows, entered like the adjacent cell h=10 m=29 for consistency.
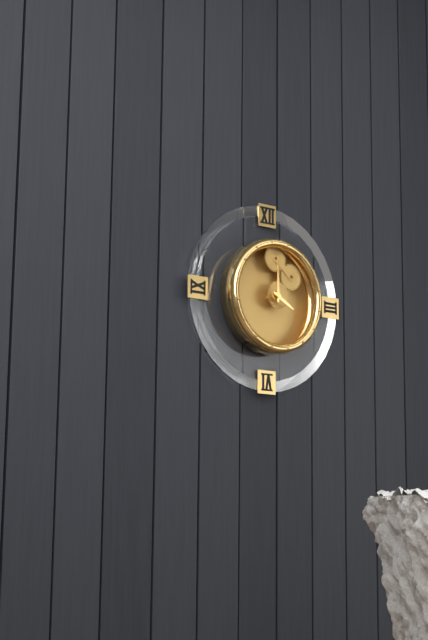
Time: h=4 m=0
